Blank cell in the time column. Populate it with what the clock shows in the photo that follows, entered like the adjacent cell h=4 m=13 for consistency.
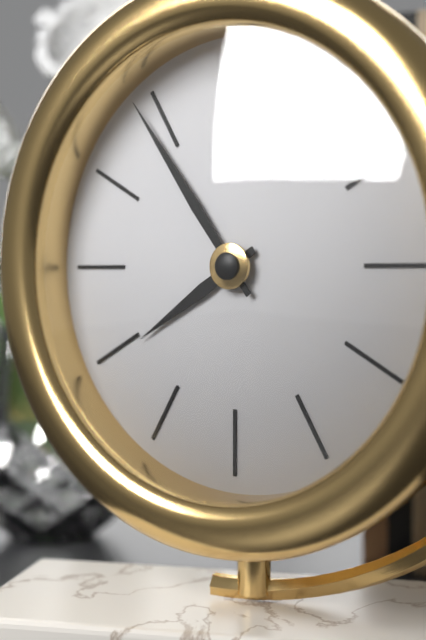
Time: h=7 m=54
